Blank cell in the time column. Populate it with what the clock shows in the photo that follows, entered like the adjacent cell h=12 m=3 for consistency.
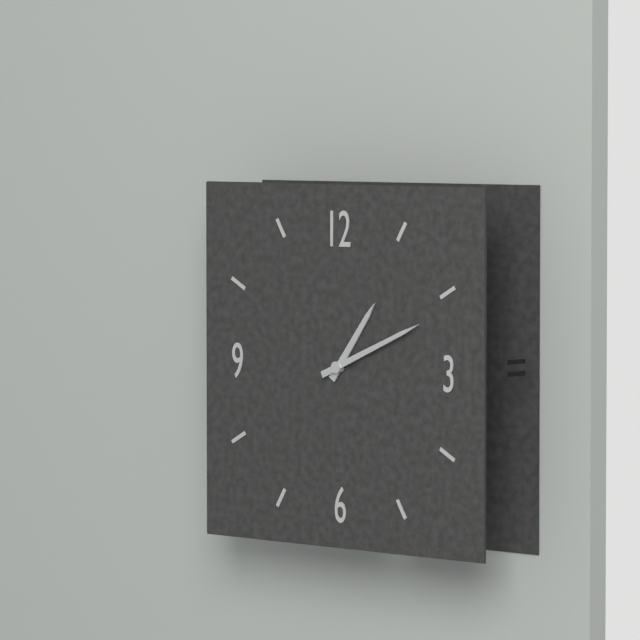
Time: h=1 m=11
